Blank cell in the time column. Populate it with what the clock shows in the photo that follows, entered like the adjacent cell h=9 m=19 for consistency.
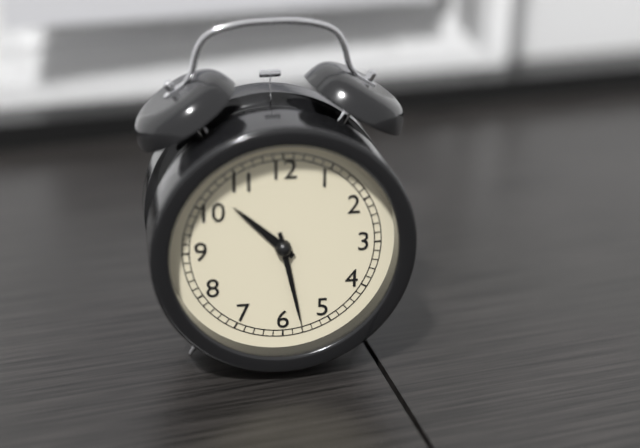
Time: h=10 m=28
